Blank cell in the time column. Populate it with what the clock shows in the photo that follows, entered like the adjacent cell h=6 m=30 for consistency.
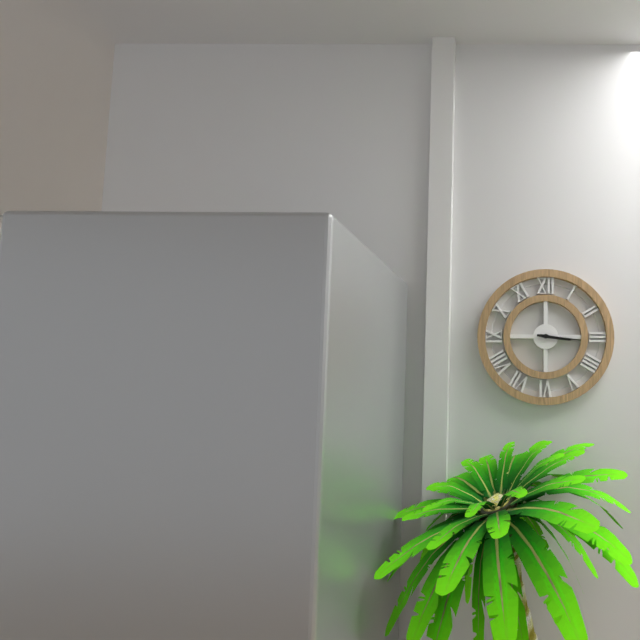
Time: h=3 m=16
